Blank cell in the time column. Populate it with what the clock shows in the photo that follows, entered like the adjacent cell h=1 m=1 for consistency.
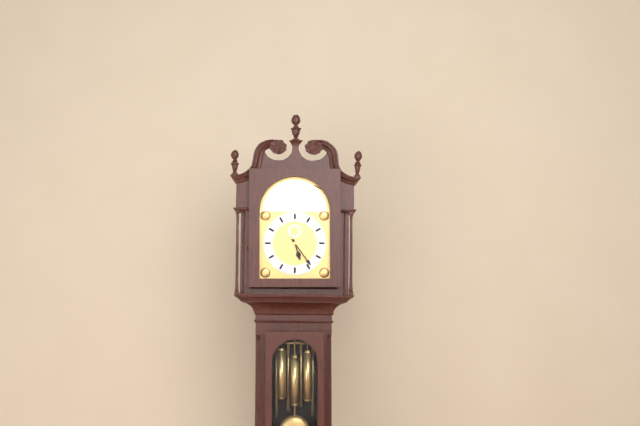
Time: h=5 m=24
